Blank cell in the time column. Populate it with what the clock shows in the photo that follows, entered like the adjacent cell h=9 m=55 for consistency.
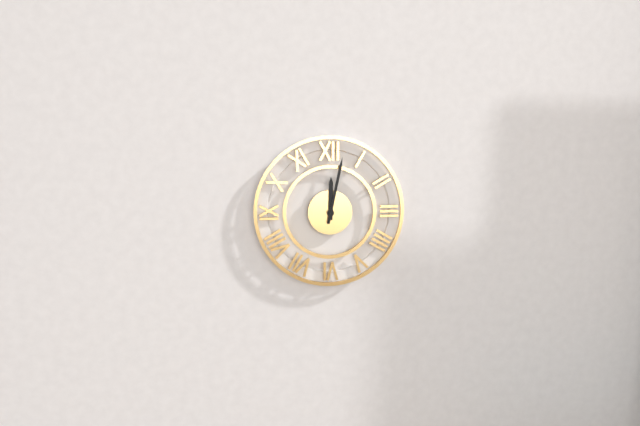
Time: h=12 m=2
